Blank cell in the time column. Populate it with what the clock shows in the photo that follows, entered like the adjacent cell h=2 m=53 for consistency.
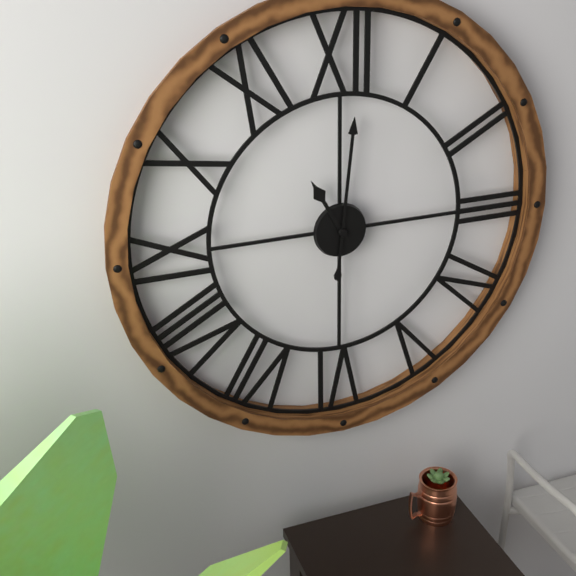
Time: h=11 m=1
